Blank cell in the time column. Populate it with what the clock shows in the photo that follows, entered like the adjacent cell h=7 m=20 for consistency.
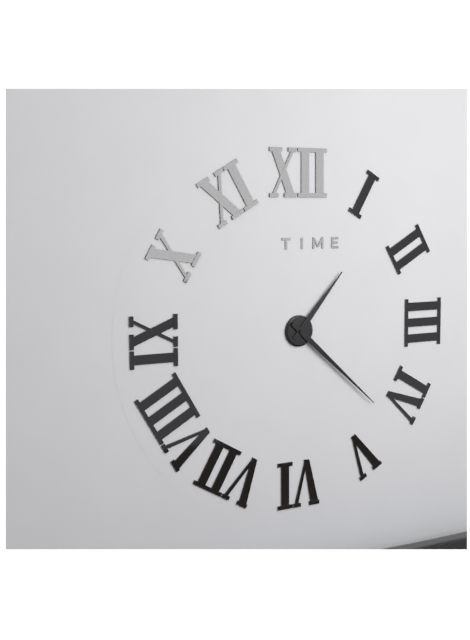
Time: h=1 m=22
